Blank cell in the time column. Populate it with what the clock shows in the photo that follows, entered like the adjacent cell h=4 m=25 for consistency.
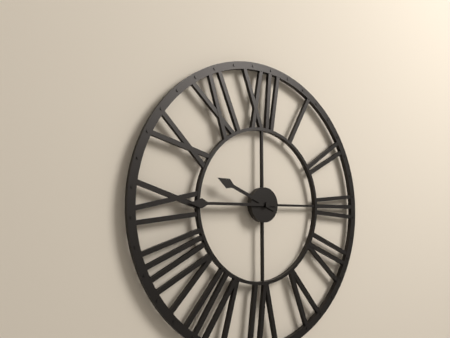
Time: h=9 m=45
